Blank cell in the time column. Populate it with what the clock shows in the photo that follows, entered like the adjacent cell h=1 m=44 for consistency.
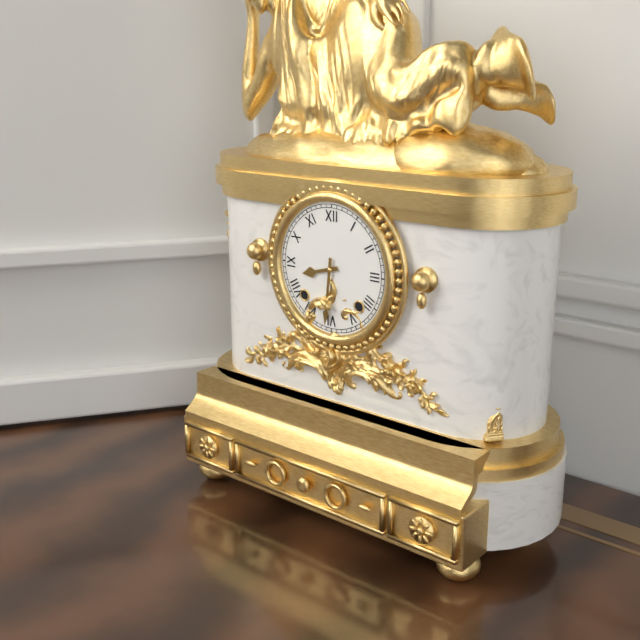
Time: h=8 m=31
